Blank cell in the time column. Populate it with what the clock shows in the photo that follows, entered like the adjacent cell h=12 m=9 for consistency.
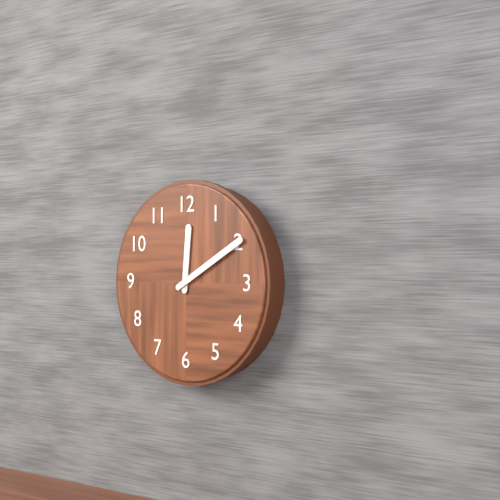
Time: h=12 m=10
